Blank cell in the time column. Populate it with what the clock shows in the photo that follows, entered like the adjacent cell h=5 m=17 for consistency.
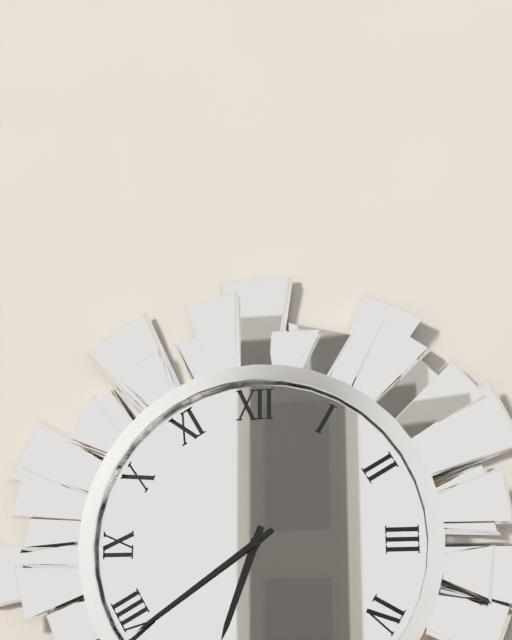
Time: h=6 m=39
